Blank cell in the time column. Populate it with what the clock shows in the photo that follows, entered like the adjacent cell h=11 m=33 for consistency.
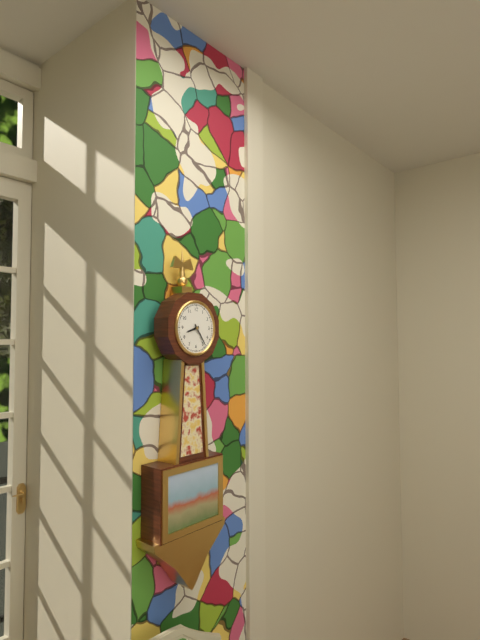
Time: h=8 m=24
